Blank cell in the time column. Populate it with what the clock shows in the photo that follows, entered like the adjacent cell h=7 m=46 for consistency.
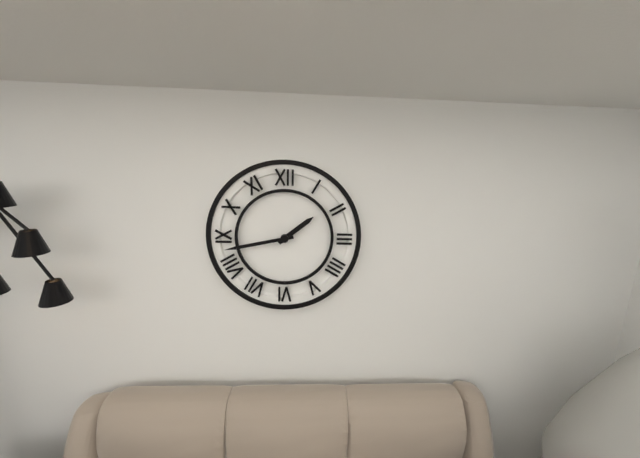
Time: h=1 m=43
